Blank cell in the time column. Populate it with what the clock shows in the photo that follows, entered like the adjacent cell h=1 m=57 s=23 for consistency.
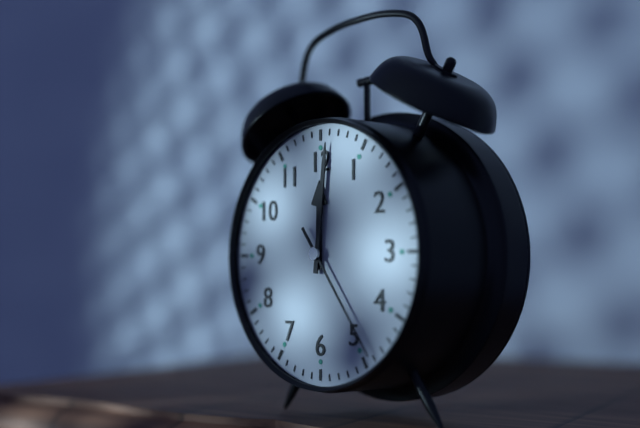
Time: h=12 m=1 s=24
